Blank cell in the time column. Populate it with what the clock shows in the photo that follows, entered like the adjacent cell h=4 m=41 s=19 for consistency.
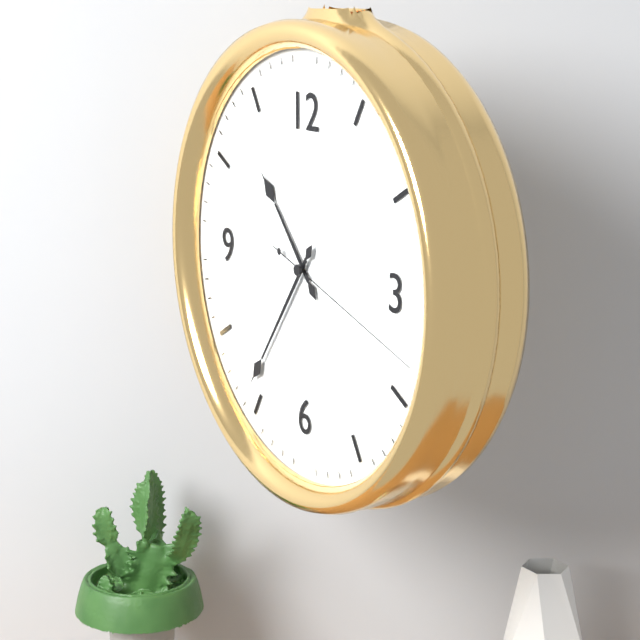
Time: h=10 m=36 s=18
